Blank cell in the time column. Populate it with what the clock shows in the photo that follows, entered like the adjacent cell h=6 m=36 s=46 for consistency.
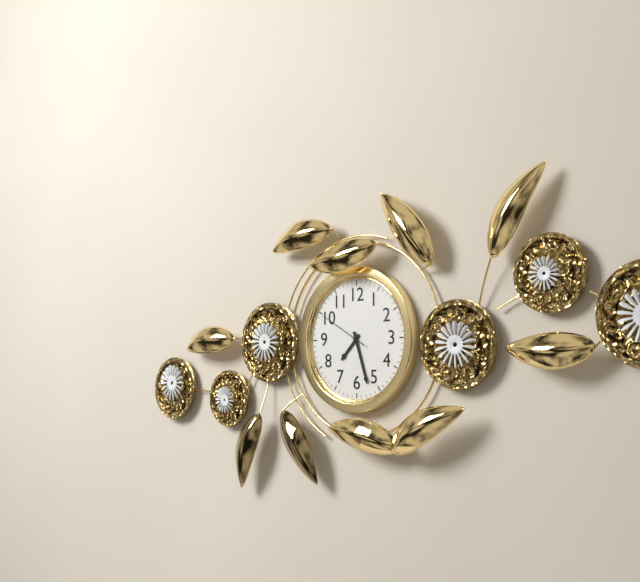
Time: h=7 m=27 s=50
